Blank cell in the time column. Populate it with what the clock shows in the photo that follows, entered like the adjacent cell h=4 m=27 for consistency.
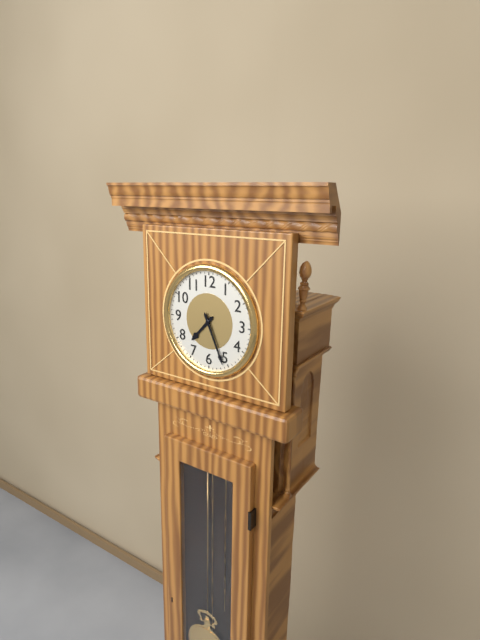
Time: h=7 m=26
